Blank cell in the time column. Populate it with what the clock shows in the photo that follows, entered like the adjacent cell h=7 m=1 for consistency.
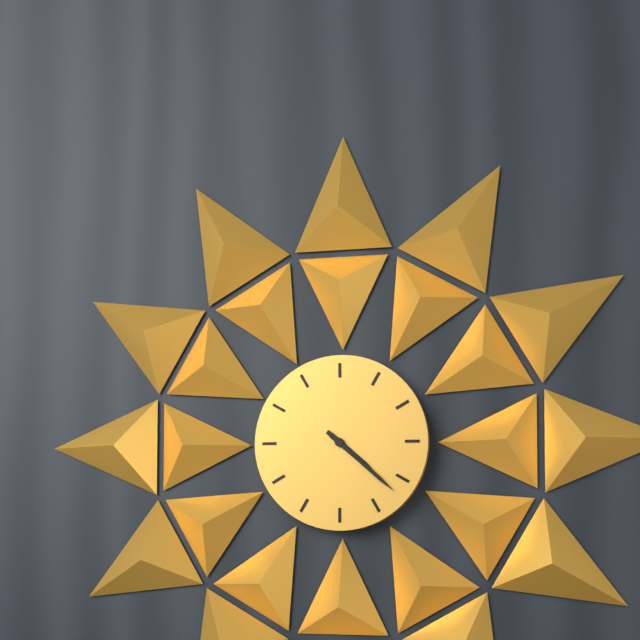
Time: h=4 m=22
